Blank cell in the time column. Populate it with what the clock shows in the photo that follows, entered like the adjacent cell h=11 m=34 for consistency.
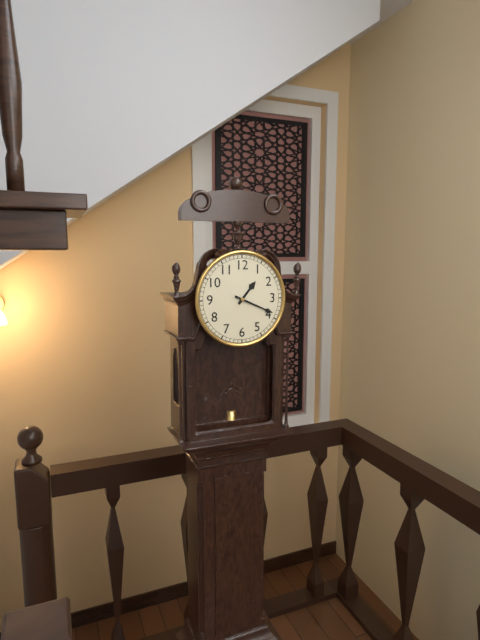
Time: h=1 m=19
